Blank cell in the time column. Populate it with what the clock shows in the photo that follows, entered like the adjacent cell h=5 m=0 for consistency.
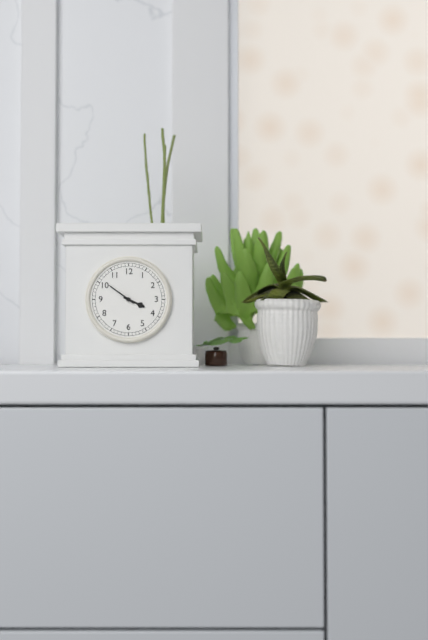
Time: h=3 m=51
